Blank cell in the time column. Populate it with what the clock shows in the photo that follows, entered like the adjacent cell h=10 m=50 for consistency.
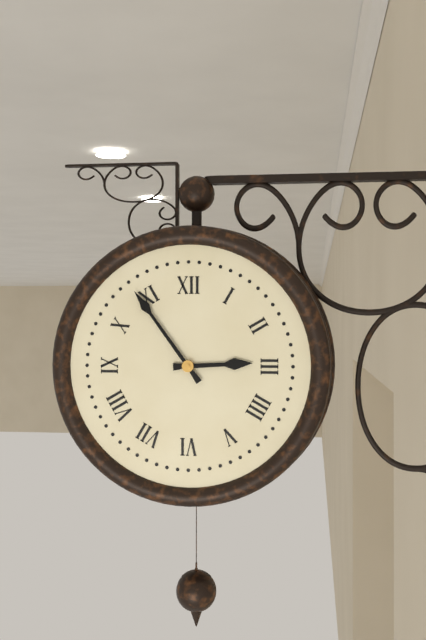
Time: h=2 m=54
